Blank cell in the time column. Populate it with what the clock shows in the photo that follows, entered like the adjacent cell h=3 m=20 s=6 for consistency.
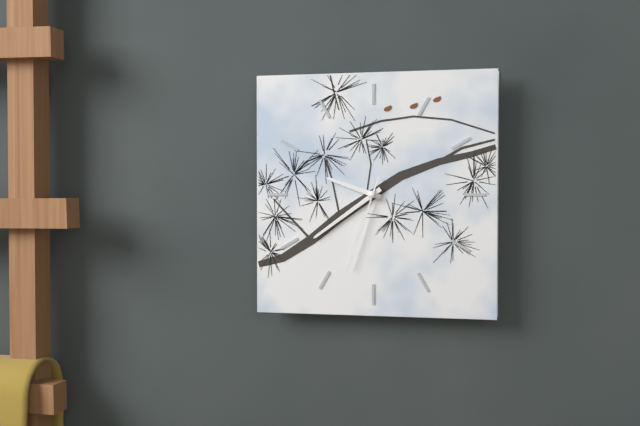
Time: h=9 m=39 s=33
